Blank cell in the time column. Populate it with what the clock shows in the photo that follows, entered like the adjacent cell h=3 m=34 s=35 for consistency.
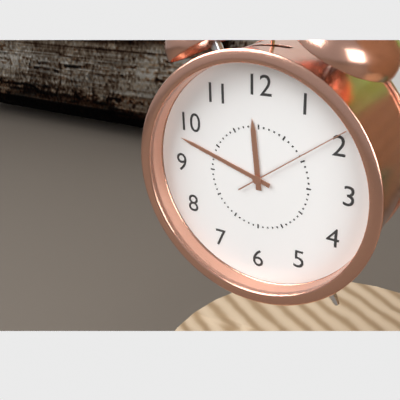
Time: h=11 m=48 s=9
